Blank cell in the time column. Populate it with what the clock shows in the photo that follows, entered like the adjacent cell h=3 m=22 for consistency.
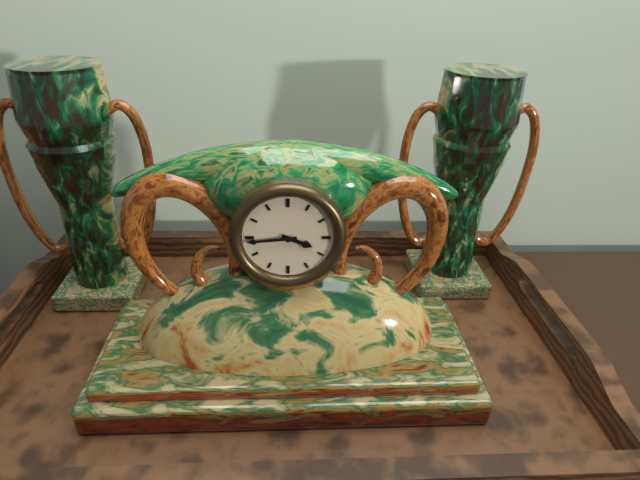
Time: h=3 m=44
